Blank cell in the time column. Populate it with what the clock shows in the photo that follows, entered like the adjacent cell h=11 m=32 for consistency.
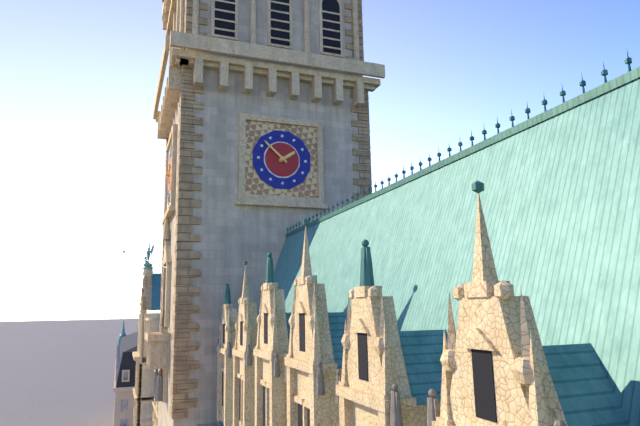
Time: h=1 m=52
